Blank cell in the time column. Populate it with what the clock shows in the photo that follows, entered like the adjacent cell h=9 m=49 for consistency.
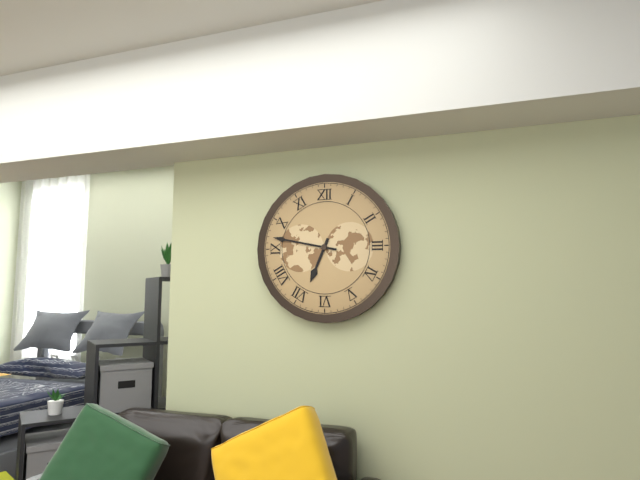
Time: h=6 m=47
